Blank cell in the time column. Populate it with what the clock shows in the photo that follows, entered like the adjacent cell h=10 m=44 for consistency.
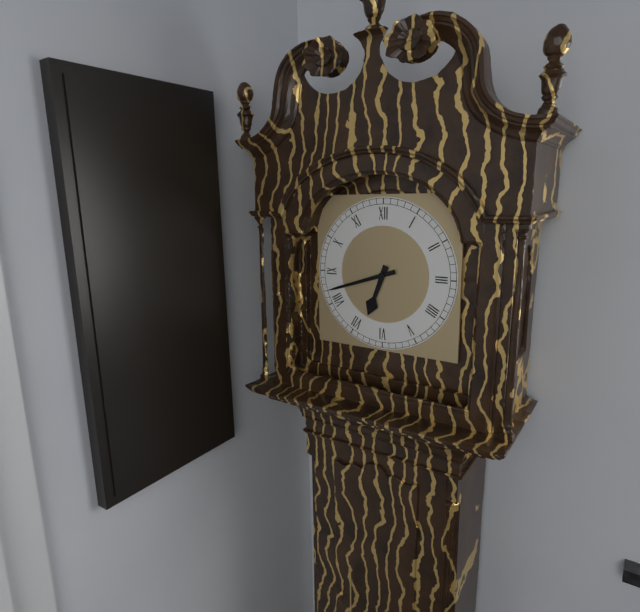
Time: h=6 m=42
